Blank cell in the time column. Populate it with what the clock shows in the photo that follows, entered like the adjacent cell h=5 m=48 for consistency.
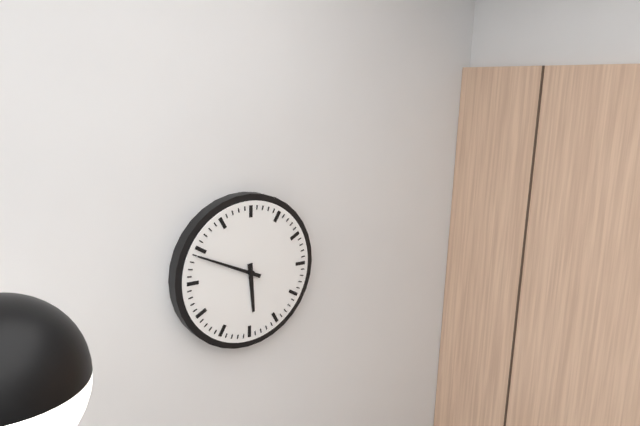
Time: h=5 m=49
